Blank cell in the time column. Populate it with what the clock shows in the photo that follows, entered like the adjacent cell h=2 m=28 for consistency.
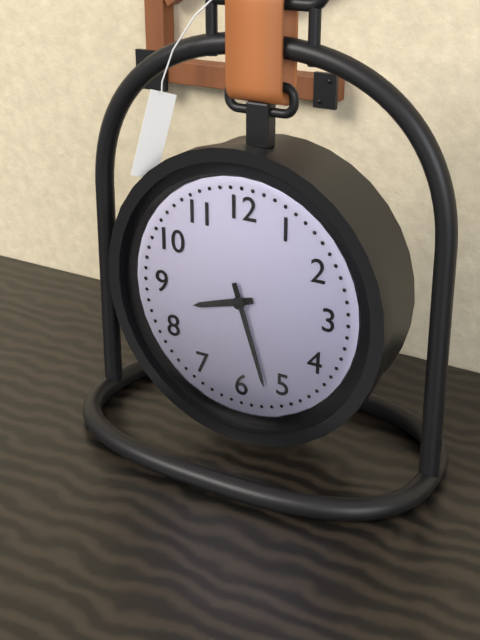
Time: h=8 m=27
